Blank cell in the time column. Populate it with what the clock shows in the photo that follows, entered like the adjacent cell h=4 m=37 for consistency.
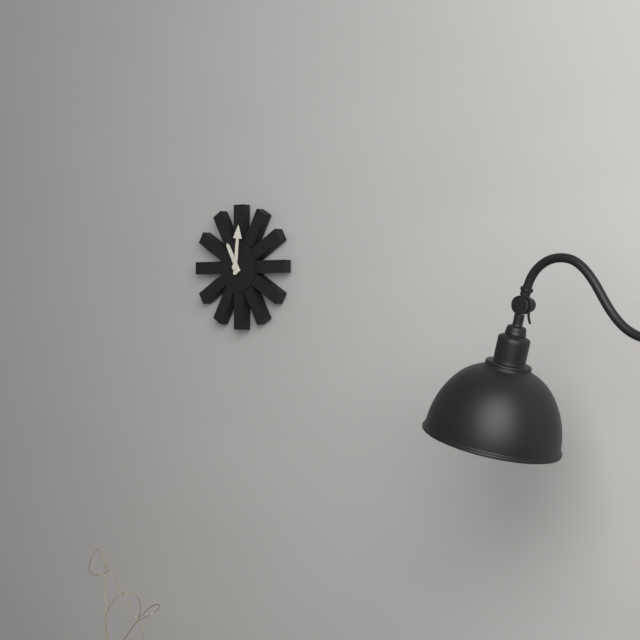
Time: h=11 m=1
